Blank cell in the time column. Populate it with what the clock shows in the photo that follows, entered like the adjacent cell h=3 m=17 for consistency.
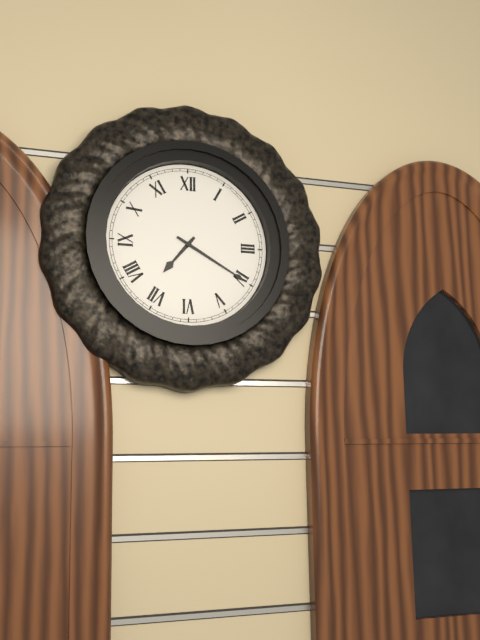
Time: h=7 m=20
